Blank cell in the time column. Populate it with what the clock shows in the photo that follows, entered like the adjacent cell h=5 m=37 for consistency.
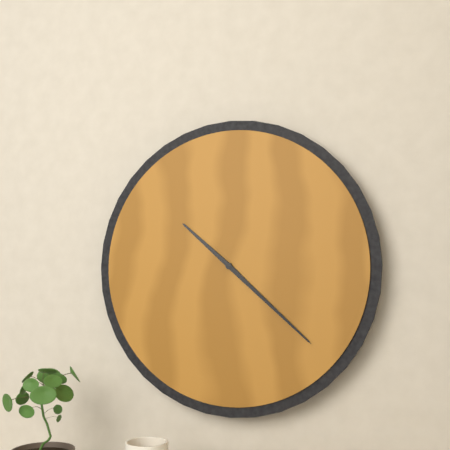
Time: h=10 m=22
